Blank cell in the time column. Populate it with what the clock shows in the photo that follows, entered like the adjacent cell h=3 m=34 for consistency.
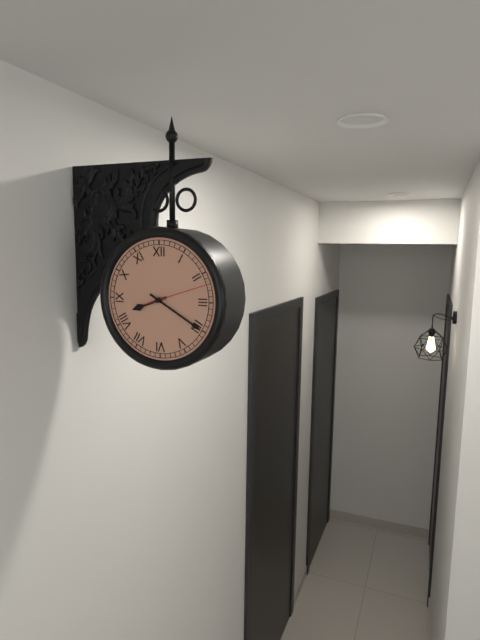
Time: h=8 m=20
